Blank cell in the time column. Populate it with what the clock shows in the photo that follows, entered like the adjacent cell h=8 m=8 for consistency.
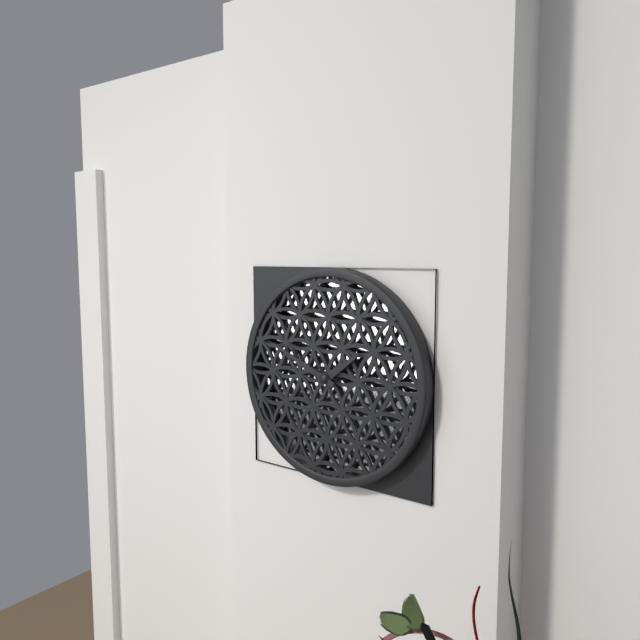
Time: h=1 m=49
